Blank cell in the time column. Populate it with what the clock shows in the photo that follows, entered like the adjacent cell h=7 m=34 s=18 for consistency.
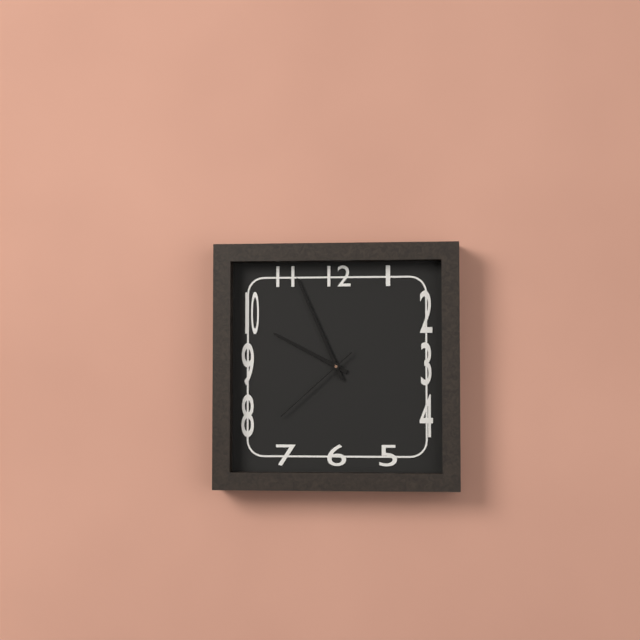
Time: h=9 m=56 s=38
